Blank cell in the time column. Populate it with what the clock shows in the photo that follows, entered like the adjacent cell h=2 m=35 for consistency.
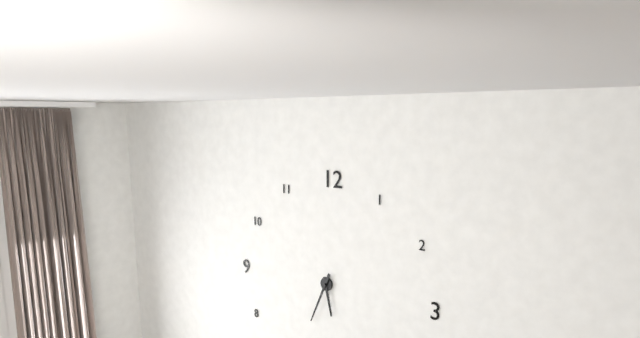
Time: h=5 m=34
